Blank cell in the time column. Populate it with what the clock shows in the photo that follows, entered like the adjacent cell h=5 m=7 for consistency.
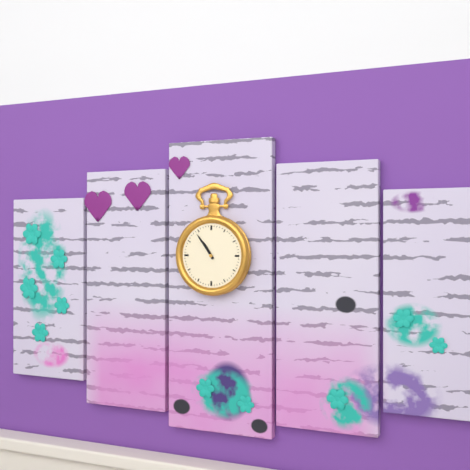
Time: h=10 m=54
